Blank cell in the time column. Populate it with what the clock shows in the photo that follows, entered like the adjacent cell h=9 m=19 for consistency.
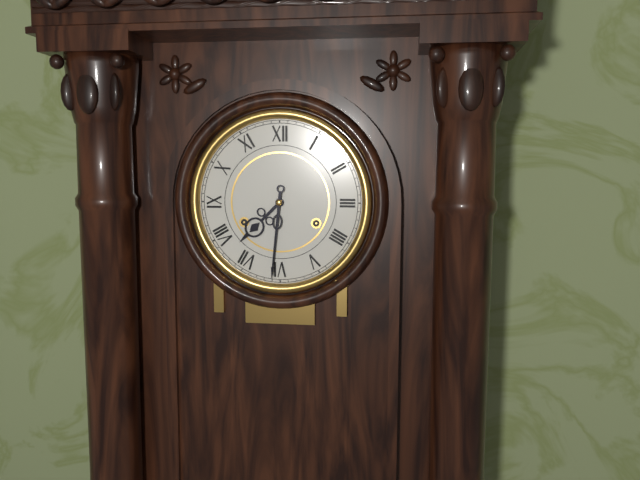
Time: h=7 m=31
